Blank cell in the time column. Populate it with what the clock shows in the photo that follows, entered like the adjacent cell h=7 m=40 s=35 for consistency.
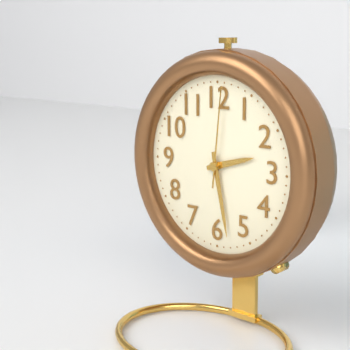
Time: h=2 m=28 s=1
